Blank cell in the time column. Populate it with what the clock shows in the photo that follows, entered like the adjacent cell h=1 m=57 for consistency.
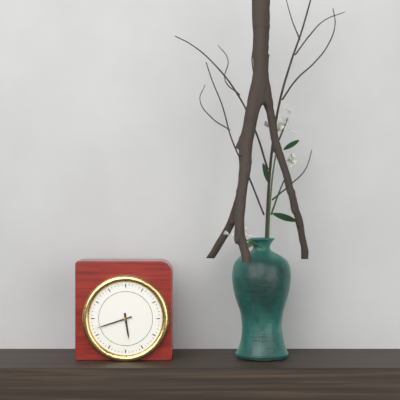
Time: h=5 m=42
